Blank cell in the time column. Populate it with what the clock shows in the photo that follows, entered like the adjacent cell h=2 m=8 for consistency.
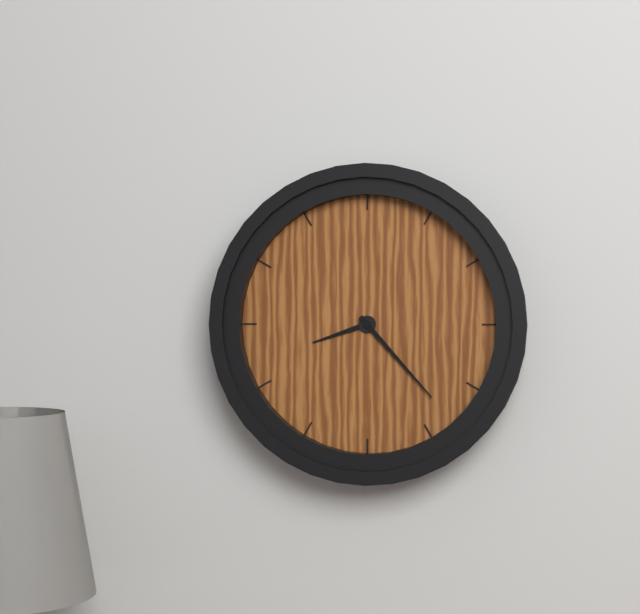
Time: h=8 m=23
